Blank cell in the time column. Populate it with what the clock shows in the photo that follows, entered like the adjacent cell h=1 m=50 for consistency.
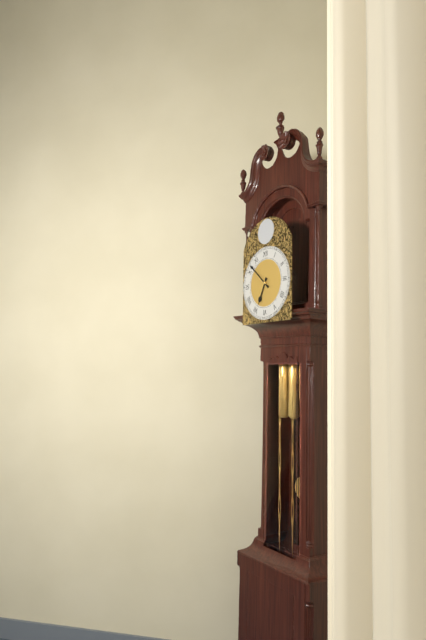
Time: h=6 m=52
